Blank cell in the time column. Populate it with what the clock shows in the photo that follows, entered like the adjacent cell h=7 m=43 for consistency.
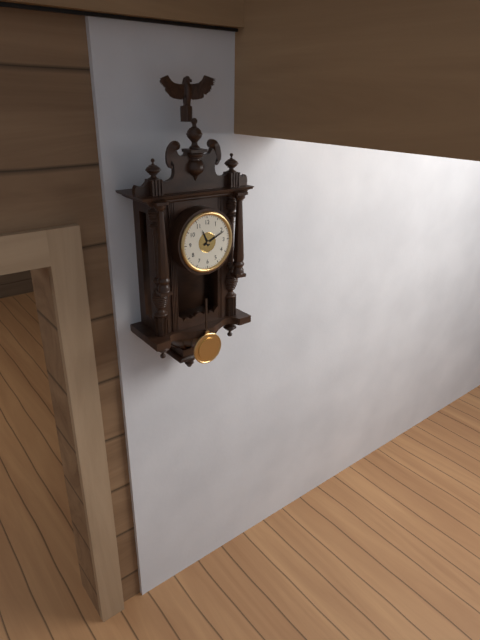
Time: h=11 m=11
